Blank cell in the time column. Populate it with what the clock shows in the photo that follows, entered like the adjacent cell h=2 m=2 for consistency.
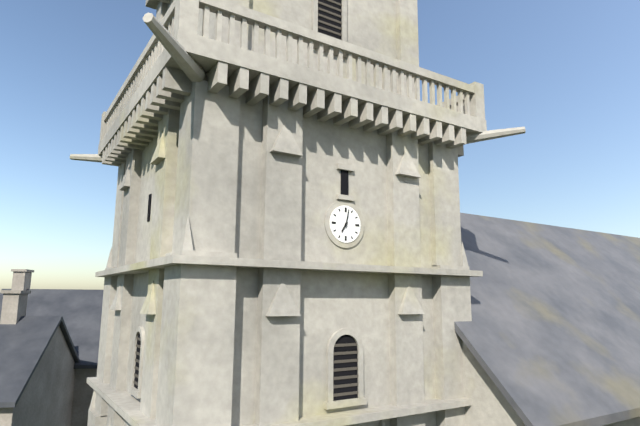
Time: h=7 m=2
